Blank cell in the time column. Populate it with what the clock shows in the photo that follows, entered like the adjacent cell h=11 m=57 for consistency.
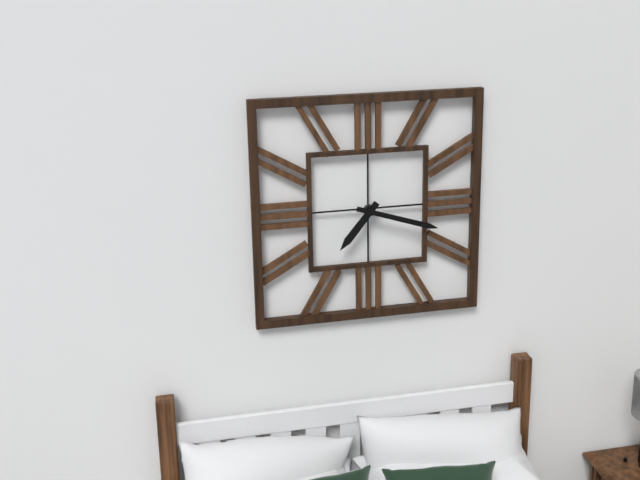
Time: h=7 m=18
